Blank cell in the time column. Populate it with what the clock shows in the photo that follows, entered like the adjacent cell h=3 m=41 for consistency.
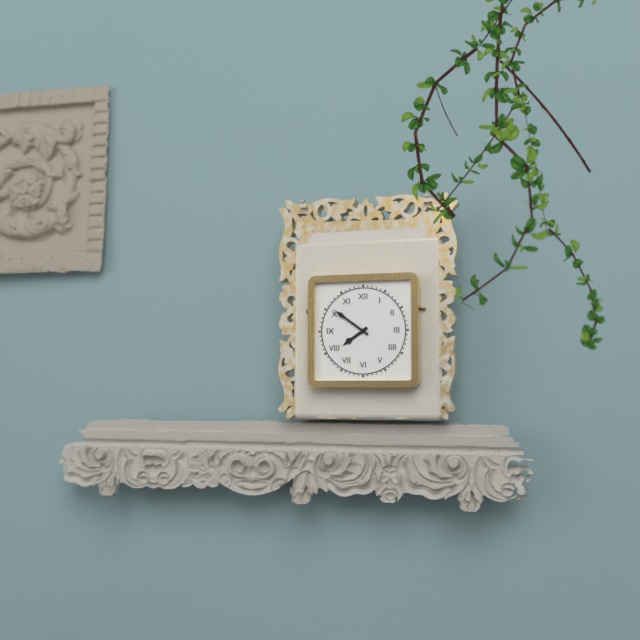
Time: h=7 m=51
